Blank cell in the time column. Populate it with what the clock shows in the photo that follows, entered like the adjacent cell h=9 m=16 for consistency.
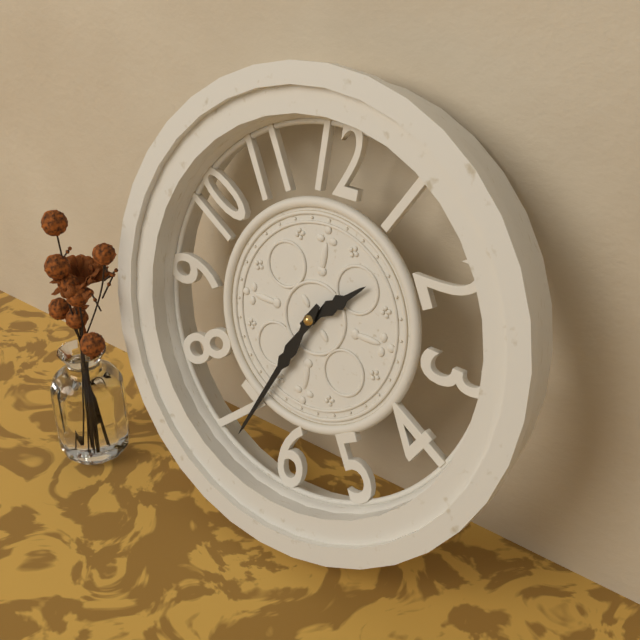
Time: h=1 m=34
